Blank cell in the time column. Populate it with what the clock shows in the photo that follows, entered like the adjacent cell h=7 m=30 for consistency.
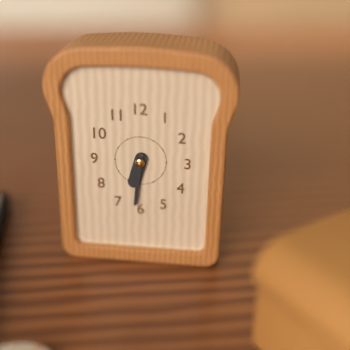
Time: h=6 m=31
